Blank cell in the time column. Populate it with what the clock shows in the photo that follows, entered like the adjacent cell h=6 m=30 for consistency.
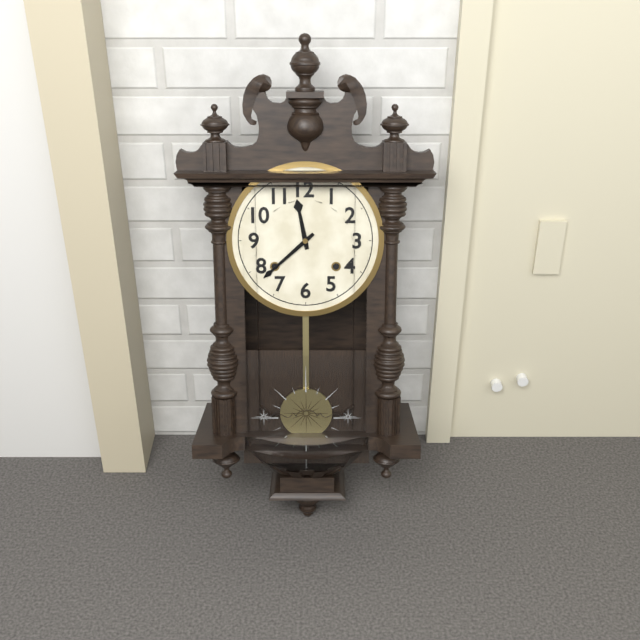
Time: h=11 m=38
